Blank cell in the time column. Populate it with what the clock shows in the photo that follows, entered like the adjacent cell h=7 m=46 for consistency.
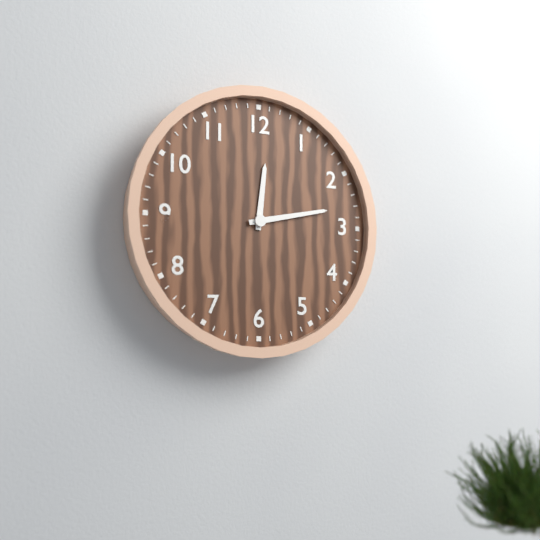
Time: h=12 m=13
